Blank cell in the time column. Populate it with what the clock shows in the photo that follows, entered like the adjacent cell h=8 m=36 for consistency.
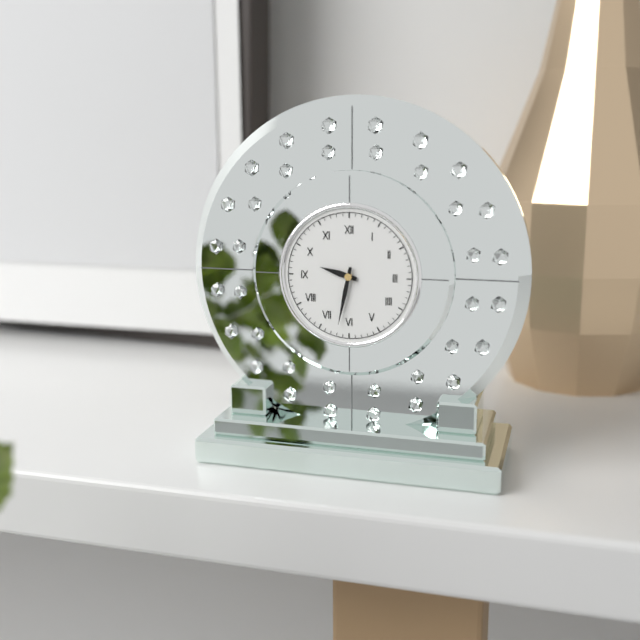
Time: h=9 m=32
